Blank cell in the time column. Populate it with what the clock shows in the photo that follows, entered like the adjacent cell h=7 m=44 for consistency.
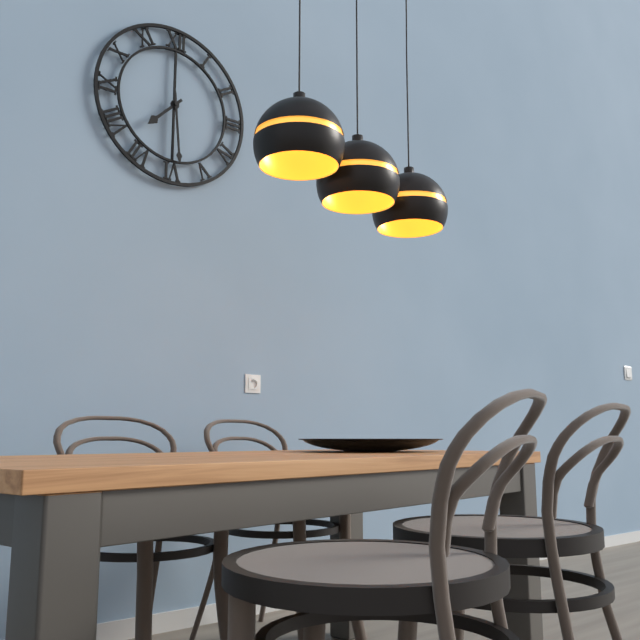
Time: h=7 m=29
